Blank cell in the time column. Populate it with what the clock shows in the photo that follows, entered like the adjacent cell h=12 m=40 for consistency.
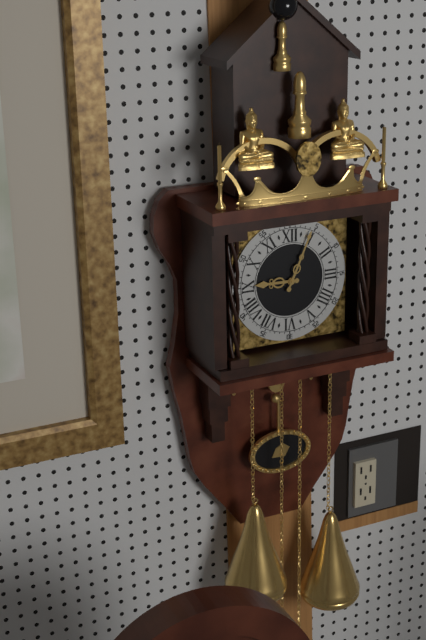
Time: h=9 m=4
